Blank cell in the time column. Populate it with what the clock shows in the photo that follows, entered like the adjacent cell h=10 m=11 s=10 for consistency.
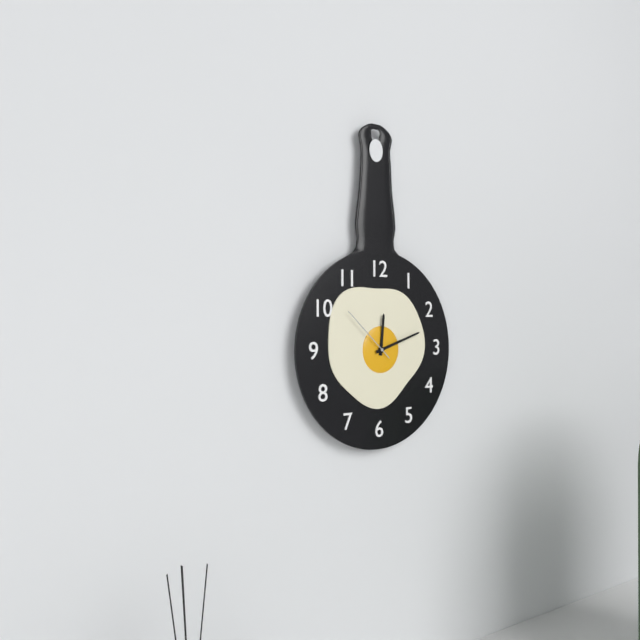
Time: h=12 m=12 s=52
